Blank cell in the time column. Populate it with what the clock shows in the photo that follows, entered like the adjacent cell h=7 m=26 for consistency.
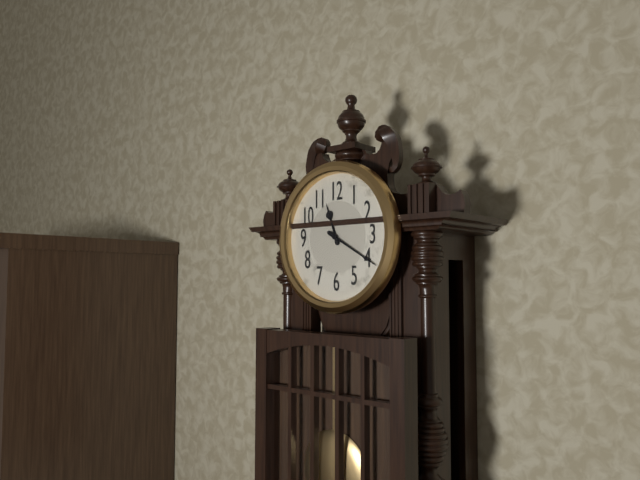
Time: h=11 m=20
